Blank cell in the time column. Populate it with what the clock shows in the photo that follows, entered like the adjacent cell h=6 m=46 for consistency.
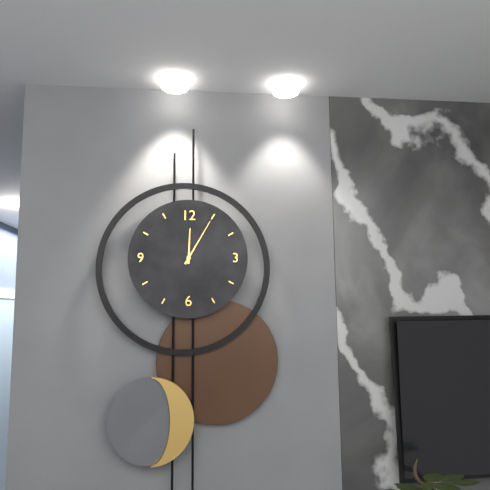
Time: h=12 m=5
